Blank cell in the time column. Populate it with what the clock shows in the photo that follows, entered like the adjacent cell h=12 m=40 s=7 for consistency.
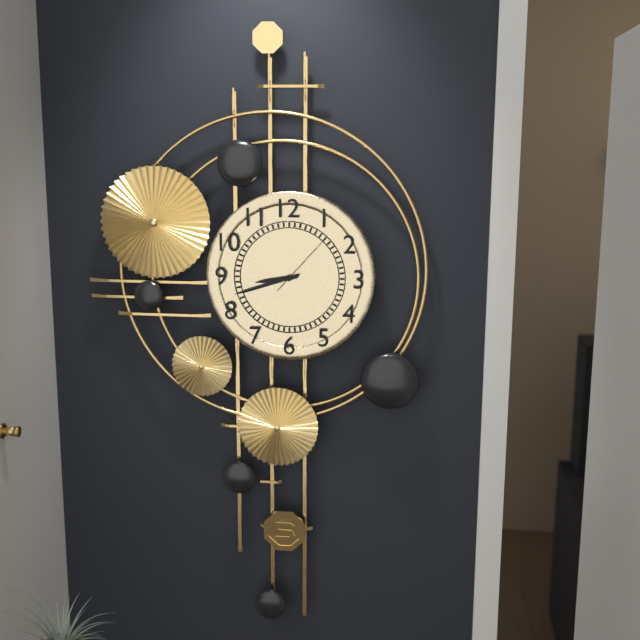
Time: h=8 m=42 s=7
